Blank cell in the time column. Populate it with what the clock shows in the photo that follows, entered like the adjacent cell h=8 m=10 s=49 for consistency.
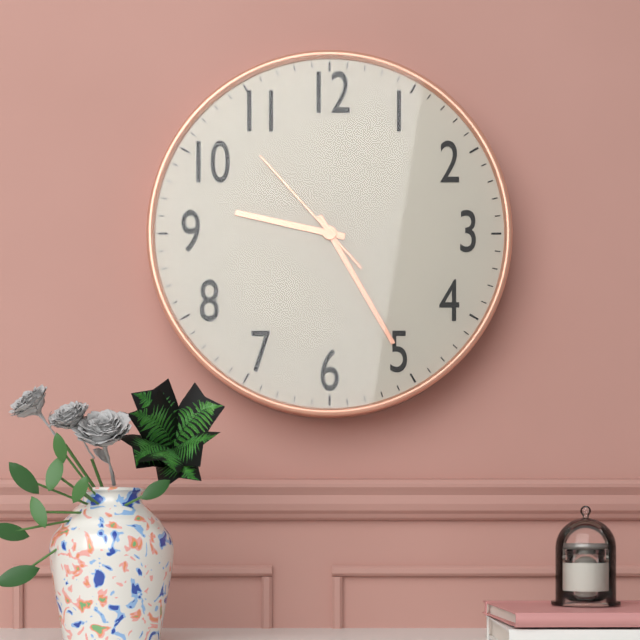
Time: h=9 m=25 s=53
